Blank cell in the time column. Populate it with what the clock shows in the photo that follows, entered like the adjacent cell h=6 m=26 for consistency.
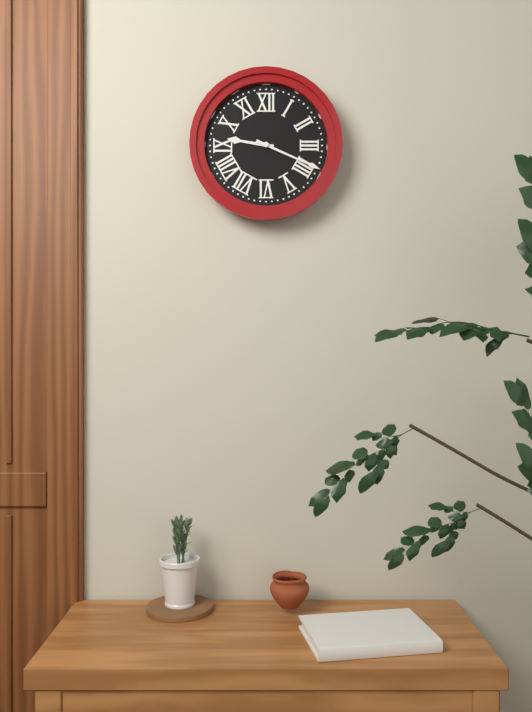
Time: h=9 m=19
